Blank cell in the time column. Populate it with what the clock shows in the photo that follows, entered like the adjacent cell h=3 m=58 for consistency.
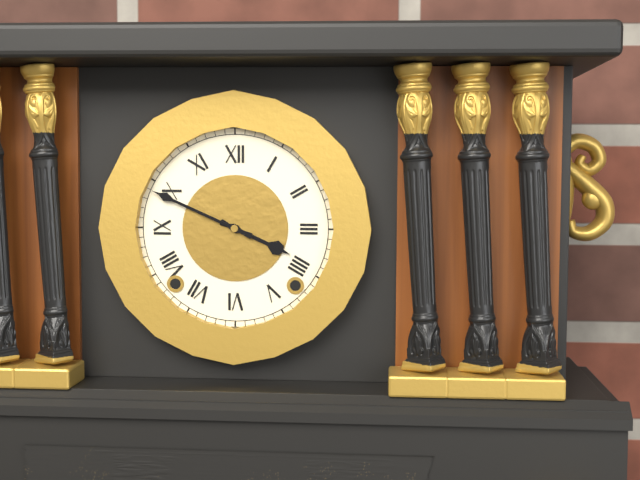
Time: h=3 m=49
